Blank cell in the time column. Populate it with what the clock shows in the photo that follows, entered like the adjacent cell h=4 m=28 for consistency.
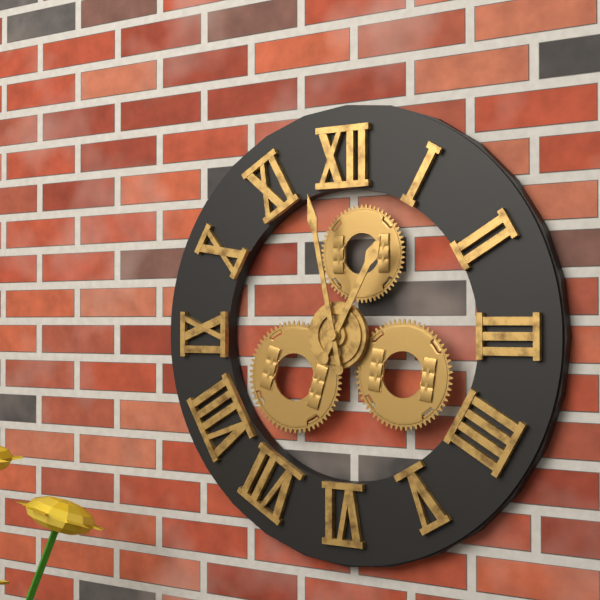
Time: h=12 m=58
